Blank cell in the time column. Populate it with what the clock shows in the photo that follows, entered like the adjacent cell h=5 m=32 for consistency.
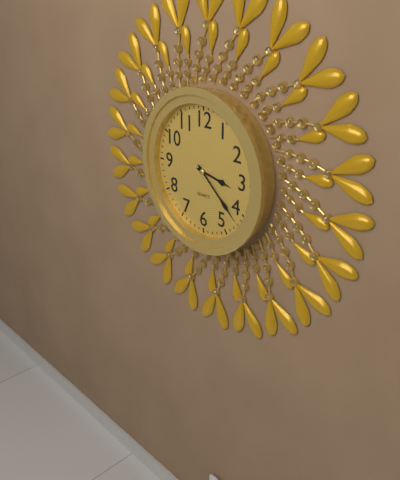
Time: h=3 m=22
